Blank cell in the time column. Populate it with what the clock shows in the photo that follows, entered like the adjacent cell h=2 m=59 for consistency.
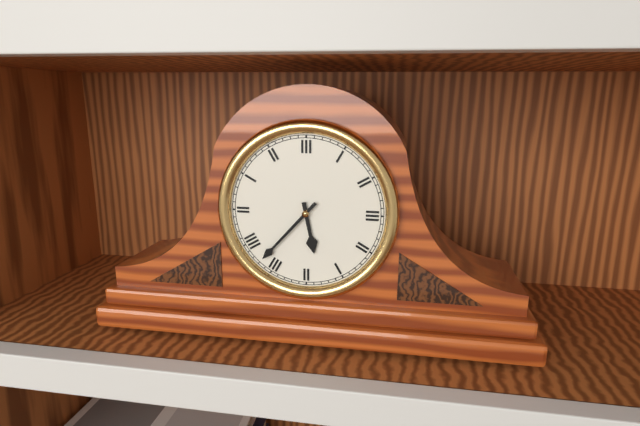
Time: h=5 m=37
